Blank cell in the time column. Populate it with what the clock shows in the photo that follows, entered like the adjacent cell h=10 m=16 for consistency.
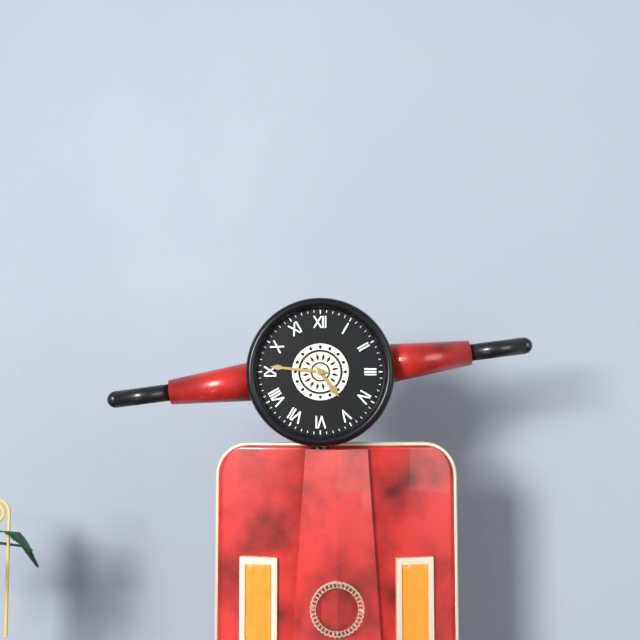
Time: h=4 m=46
